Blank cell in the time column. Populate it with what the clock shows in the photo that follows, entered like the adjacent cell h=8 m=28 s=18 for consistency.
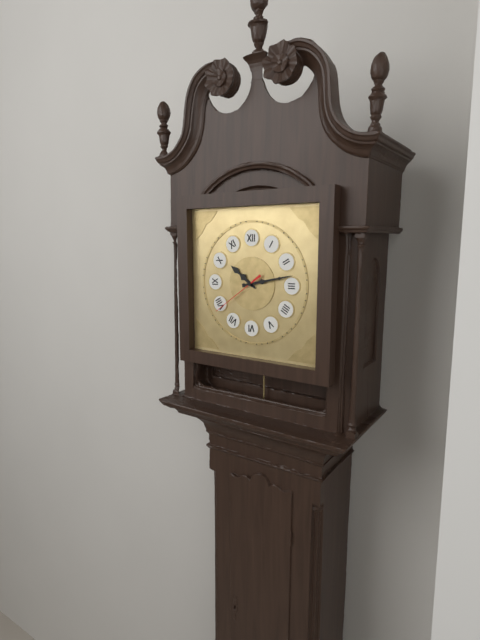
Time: h=10 m=13 s=39
